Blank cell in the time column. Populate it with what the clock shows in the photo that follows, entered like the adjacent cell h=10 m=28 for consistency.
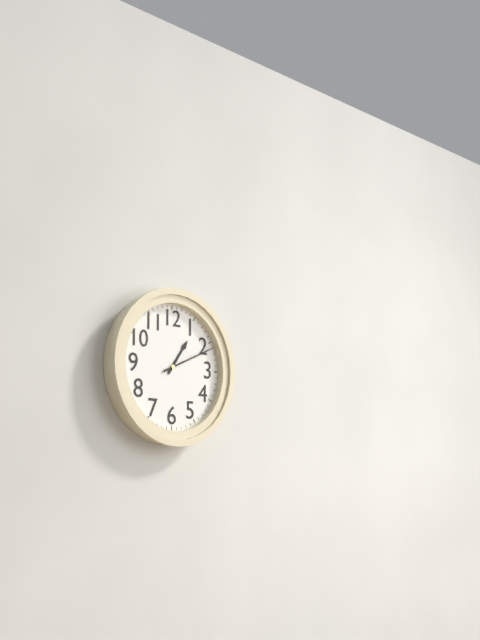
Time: h=1 m=11
